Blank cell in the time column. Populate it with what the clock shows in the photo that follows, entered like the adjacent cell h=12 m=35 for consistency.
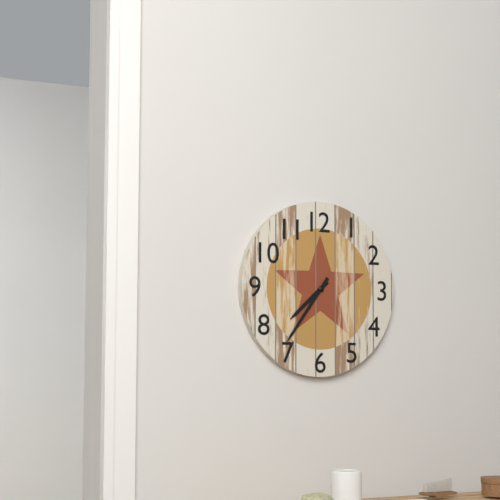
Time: h=7 m=36
